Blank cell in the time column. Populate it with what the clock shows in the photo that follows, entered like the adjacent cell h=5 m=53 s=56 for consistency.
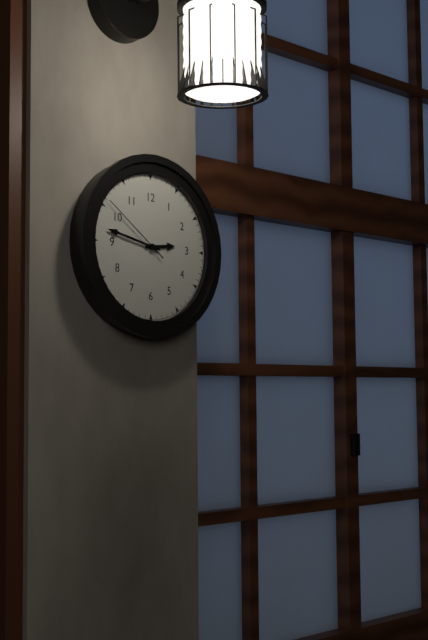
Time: h=2 m=47 s=51
